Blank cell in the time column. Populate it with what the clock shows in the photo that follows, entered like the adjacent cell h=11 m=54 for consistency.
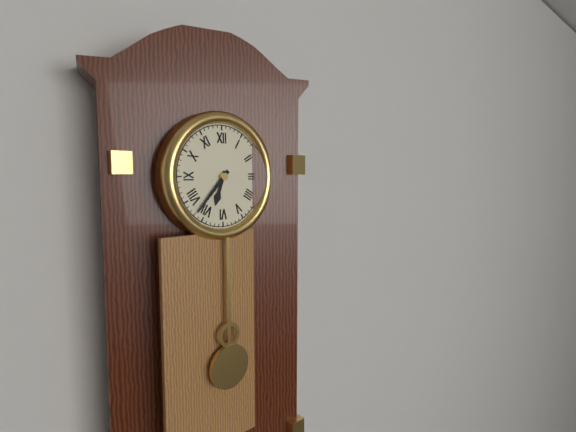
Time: h=6 m=37
